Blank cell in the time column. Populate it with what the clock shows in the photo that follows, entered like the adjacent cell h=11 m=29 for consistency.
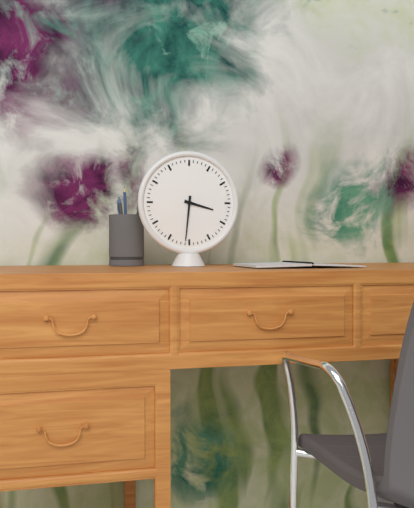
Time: h=3 m=31
